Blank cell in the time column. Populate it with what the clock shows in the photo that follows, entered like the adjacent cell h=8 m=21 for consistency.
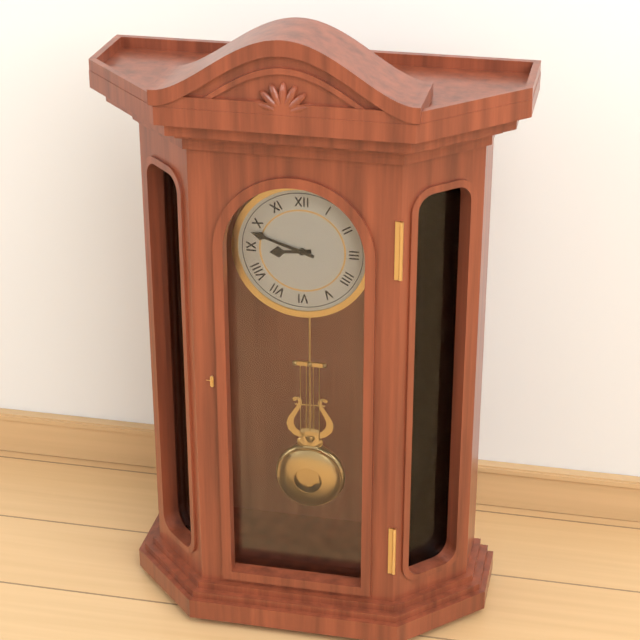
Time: h=8 m=48
